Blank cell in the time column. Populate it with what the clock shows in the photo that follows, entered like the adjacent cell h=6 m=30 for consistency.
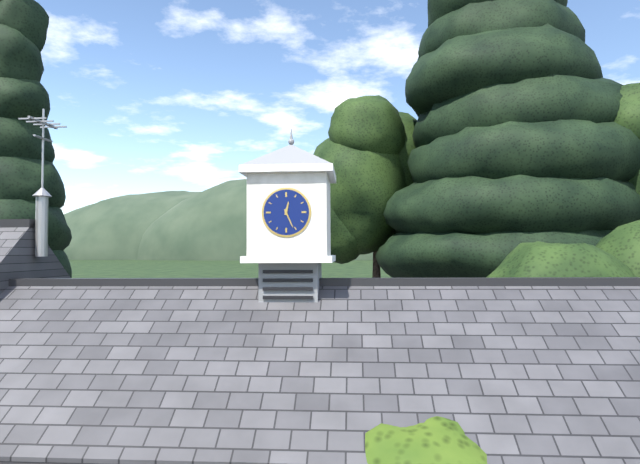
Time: h=12 m=26
